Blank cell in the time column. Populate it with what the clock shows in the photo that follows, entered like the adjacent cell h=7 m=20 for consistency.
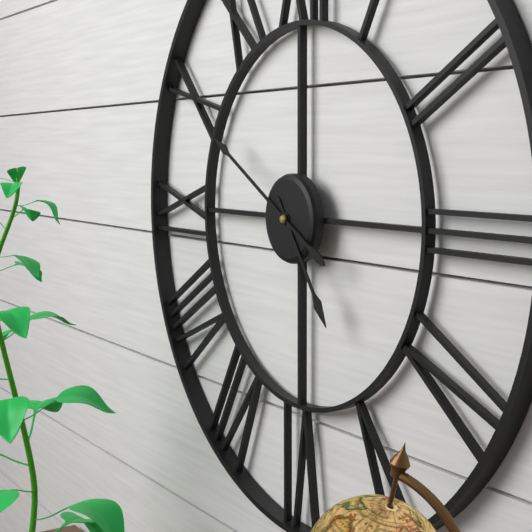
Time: h=4 m=50
